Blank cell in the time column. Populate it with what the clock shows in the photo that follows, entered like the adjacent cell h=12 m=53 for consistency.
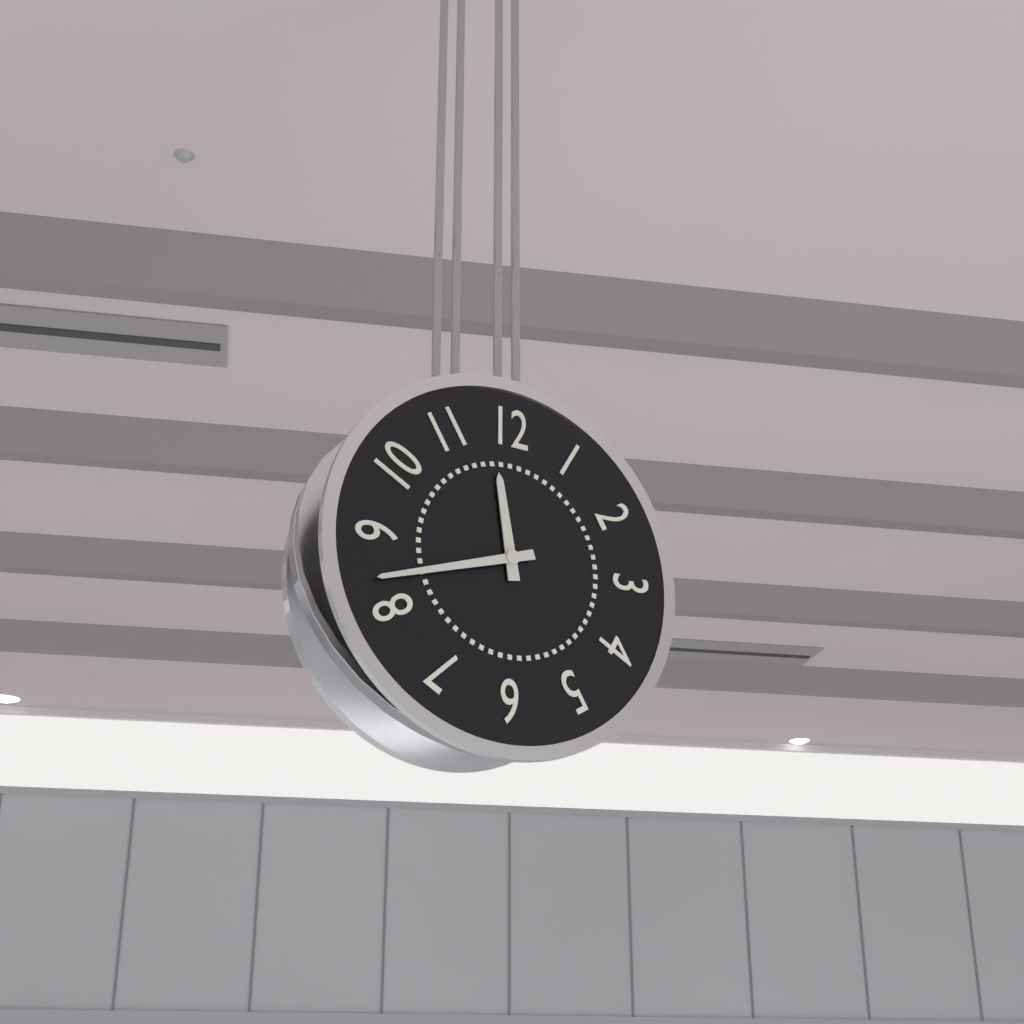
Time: h=11 m=42
